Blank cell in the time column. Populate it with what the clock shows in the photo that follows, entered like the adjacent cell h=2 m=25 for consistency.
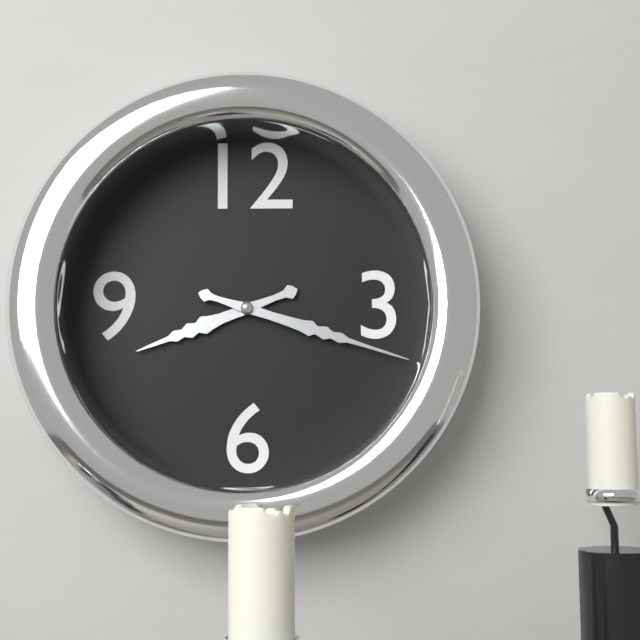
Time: h=8 m=18
